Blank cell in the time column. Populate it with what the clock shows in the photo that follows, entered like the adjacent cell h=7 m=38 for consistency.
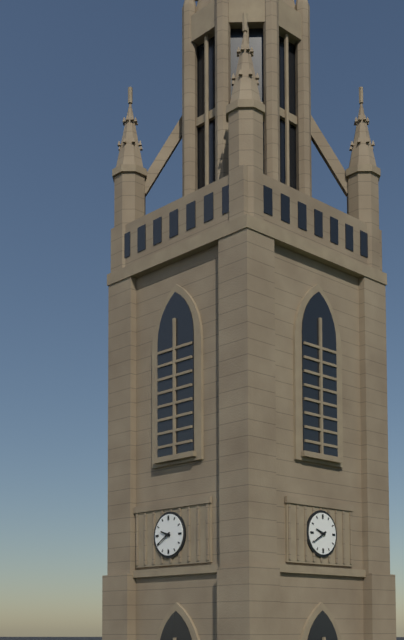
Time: h=9 m=40
